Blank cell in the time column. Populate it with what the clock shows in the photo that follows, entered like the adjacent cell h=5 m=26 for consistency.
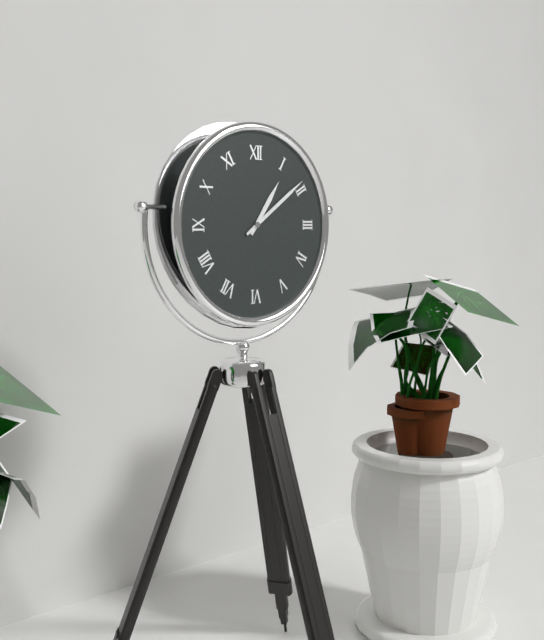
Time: h=1 m=9
